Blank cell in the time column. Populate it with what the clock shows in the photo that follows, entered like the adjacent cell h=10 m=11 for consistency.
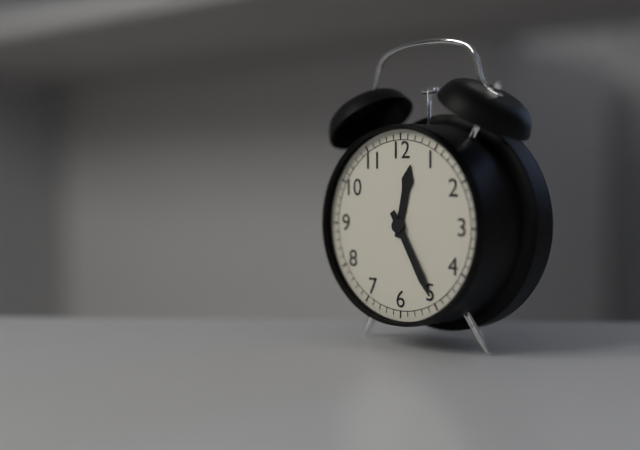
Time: h=12 m=25
